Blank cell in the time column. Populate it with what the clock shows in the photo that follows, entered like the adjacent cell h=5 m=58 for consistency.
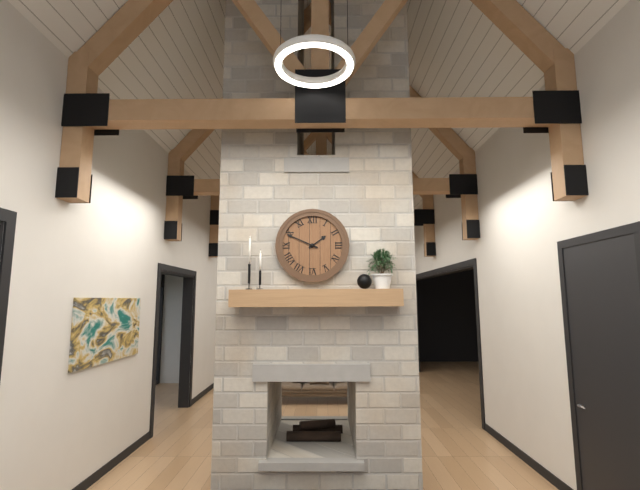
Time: h=1 m=49
